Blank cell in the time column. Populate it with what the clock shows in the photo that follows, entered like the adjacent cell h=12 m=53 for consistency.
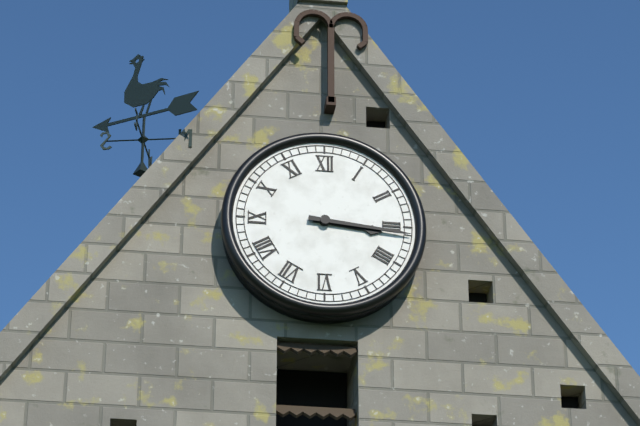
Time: h=3 m=16
